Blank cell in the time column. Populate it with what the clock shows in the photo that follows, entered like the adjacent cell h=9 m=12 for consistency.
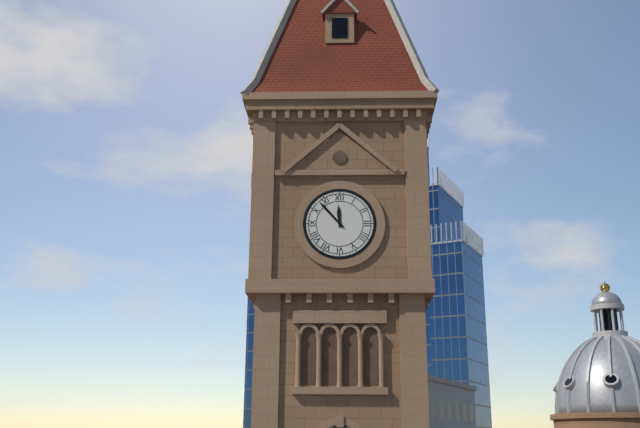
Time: h=11 m=53
